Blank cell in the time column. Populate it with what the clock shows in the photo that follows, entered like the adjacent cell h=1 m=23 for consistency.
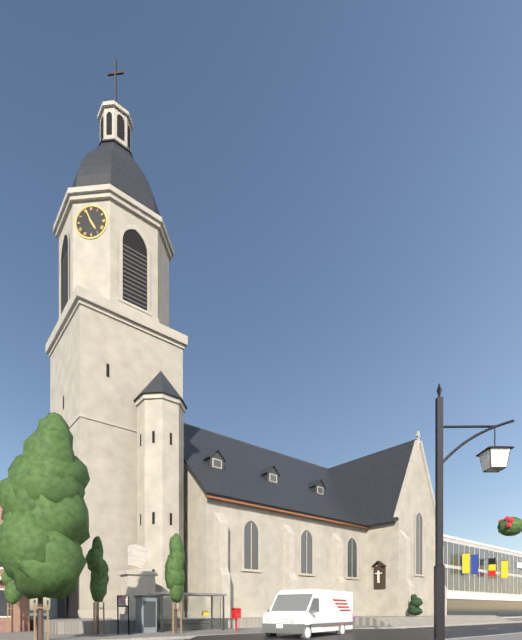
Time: h=4 m=56
